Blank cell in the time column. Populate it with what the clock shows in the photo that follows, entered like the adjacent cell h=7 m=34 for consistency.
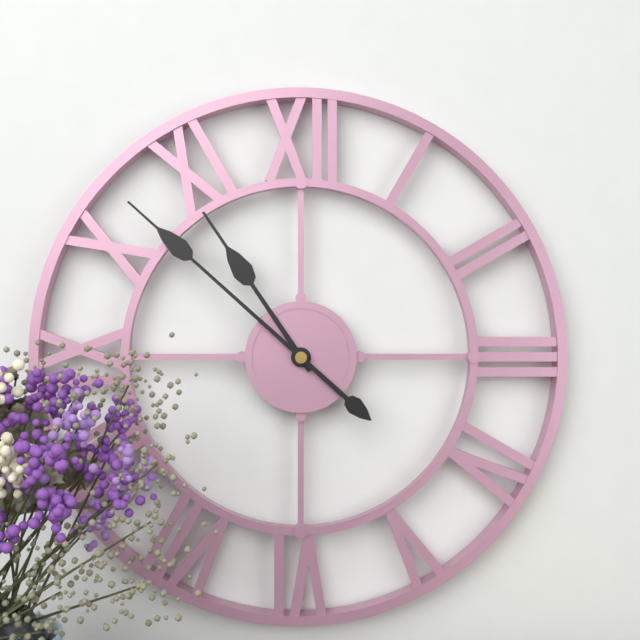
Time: h=10 m=52
